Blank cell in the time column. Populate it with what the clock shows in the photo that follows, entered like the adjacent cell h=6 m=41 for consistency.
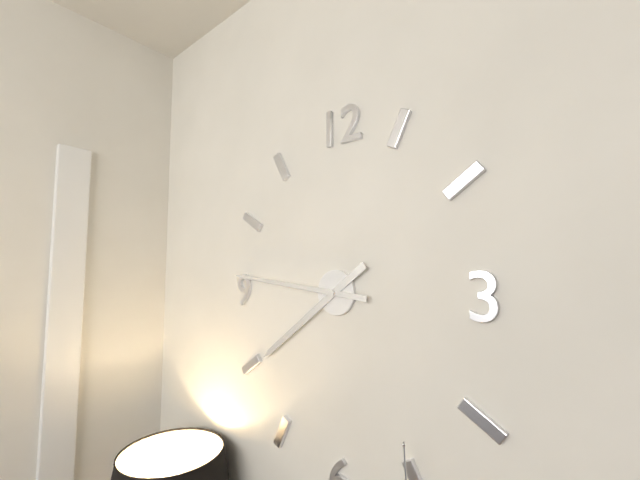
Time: h=7 m=46
